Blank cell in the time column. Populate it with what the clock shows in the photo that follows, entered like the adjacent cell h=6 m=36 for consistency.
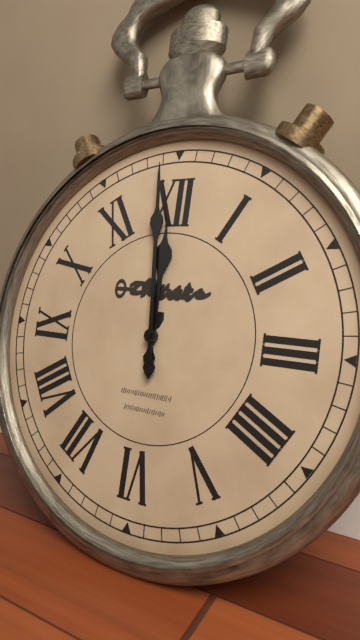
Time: h=11 m=59
